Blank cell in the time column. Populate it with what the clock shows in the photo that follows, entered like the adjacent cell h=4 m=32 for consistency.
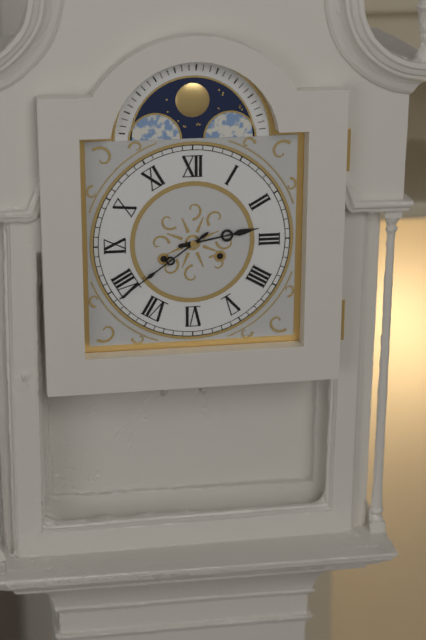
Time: h=2 m=39
